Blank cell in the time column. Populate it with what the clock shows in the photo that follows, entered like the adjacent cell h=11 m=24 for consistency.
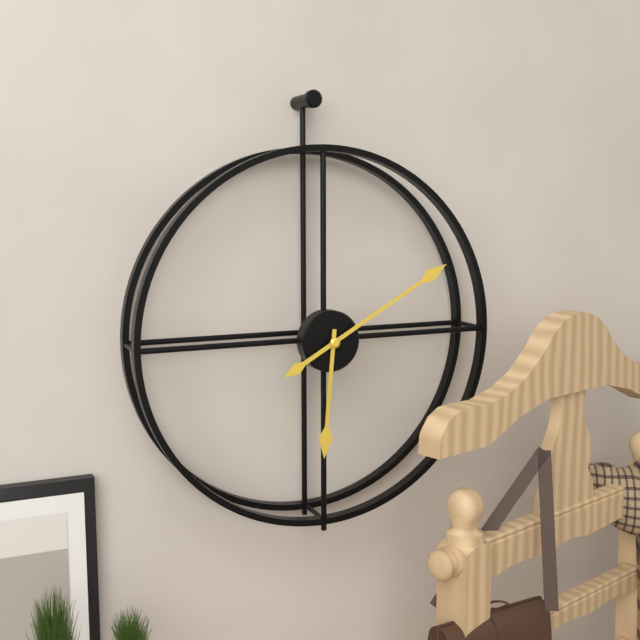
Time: h=6 m=10
